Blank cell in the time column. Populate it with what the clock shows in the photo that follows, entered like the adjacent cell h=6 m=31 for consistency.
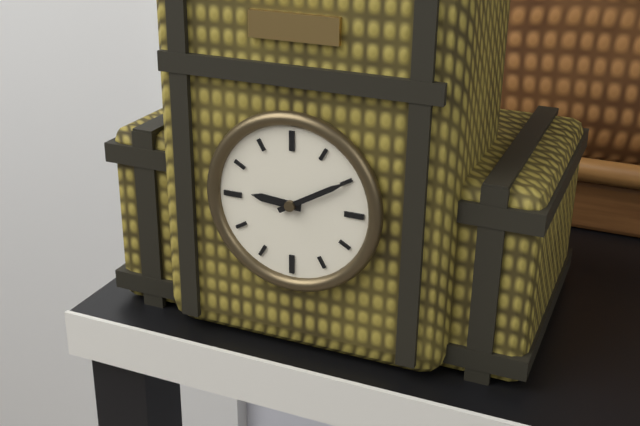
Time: h=9 m=10
